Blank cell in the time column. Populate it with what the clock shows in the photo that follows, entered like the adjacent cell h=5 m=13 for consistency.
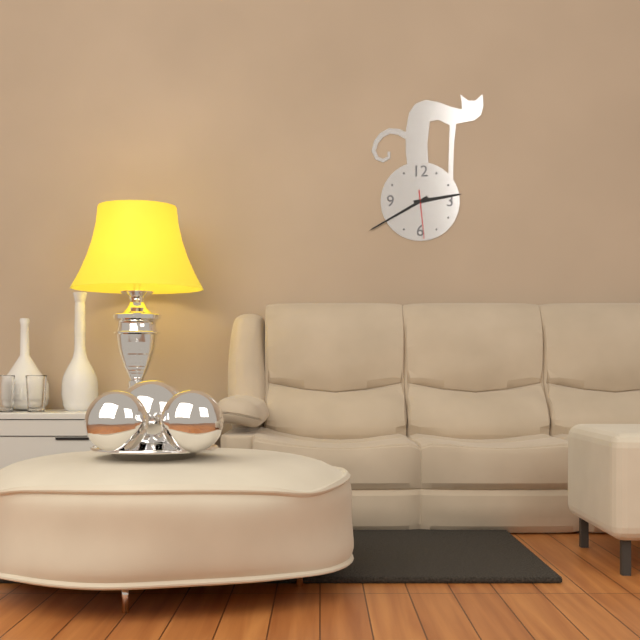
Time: h=2 m=40
